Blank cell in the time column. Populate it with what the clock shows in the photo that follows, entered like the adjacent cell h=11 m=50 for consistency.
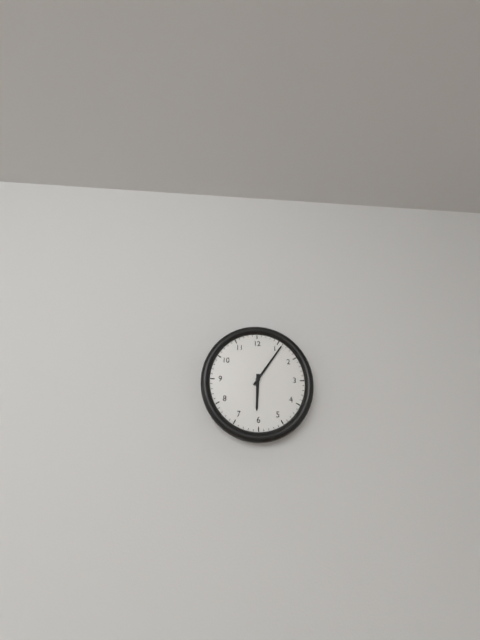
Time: h=6 m=6
